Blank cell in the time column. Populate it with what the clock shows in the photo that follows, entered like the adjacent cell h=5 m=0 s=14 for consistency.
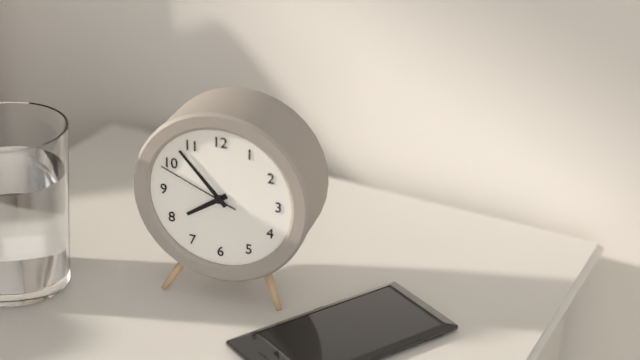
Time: h=7 m=53 s=49
